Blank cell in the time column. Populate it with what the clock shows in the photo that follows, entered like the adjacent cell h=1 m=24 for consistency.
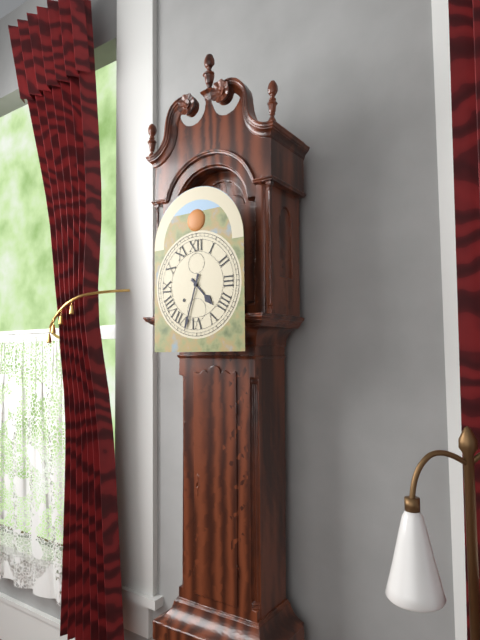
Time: h=4 m=33
